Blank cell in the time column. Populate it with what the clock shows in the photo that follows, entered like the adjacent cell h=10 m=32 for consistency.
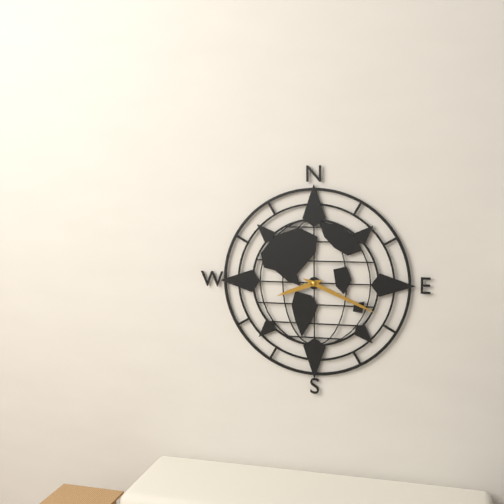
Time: h=8 m=19
